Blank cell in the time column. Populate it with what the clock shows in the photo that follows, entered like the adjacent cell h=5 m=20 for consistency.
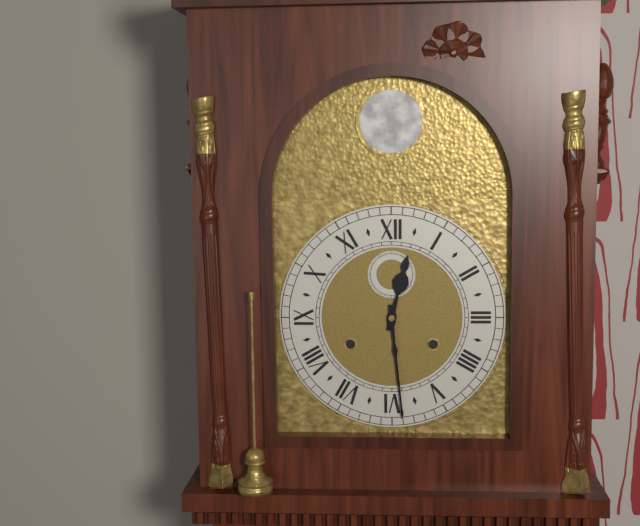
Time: h=12 m=29
